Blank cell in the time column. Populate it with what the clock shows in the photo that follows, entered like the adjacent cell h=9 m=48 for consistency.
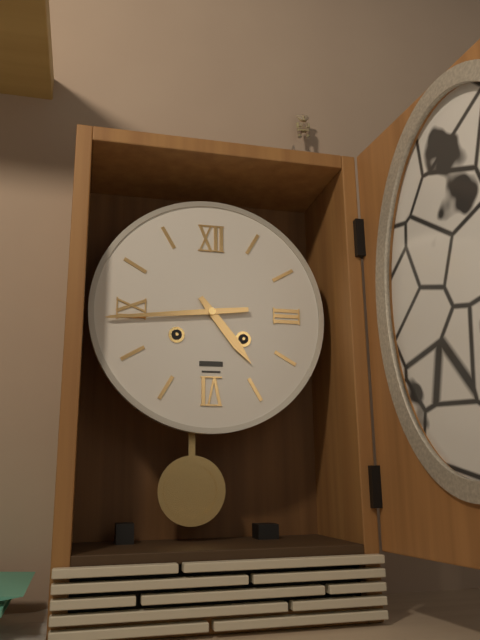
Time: h=4 m=44
